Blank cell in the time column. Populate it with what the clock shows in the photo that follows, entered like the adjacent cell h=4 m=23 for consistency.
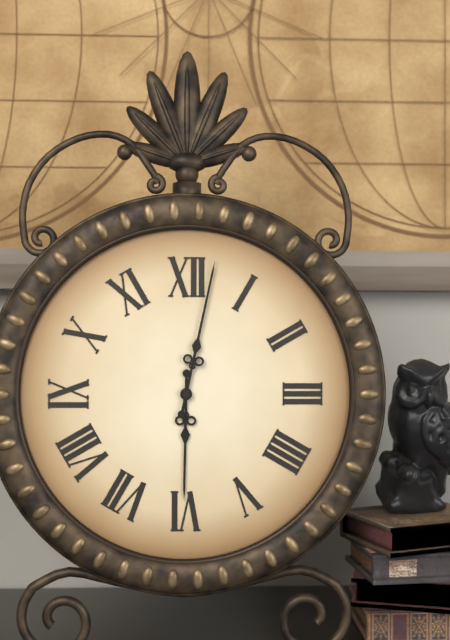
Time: h=6 m=2
